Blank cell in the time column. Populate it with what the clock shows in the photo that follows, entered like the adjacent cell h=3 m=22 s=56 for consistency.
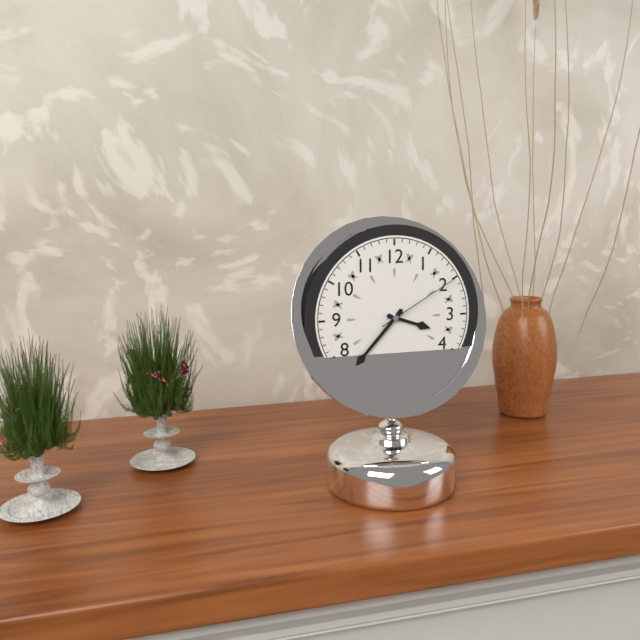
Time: h=3 m=37 s=10
